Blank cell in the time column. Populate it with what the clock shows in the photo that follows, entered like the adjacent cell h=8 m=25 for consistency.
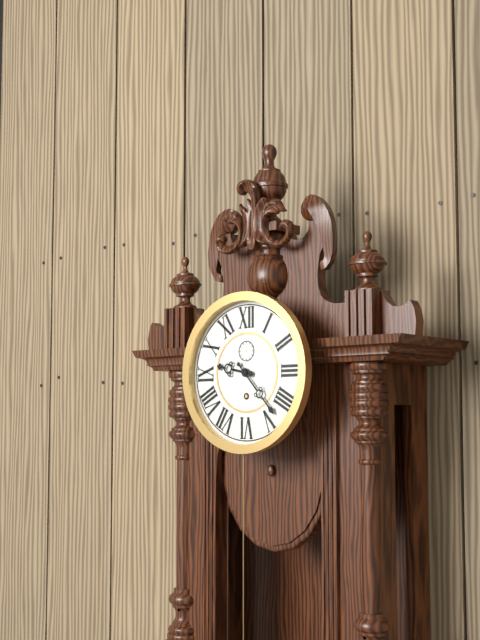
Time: h=9 m=23
